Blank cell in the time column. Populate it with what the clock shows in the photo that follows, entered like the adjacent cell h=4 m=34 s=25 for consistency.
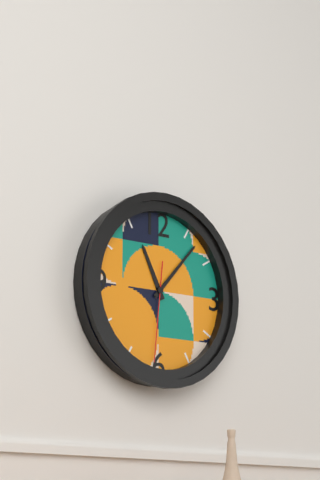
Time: h=11 m=7 s=31
